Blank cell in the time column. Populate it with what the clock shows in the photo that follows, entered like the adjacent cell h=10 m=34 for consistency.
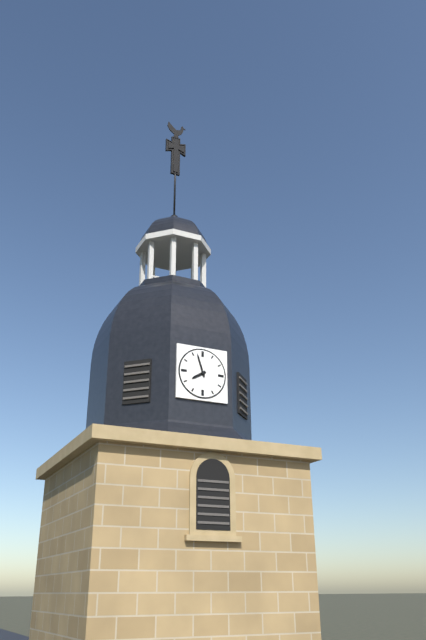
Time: h=7 m=57
